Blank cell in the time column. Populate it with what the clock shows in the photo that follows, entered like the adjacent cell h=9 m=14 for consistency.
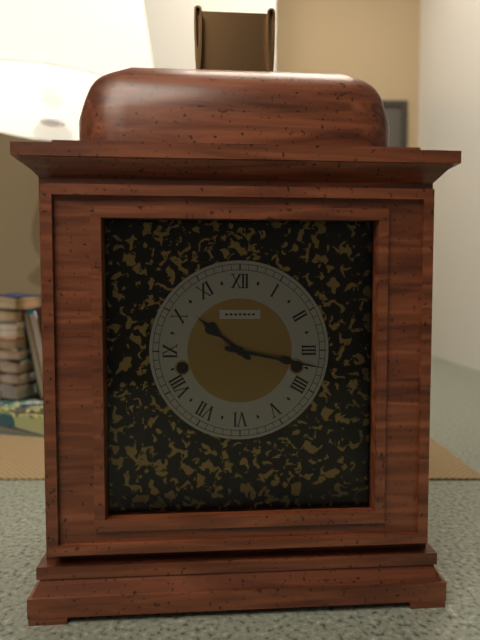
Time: h=10 m=17
